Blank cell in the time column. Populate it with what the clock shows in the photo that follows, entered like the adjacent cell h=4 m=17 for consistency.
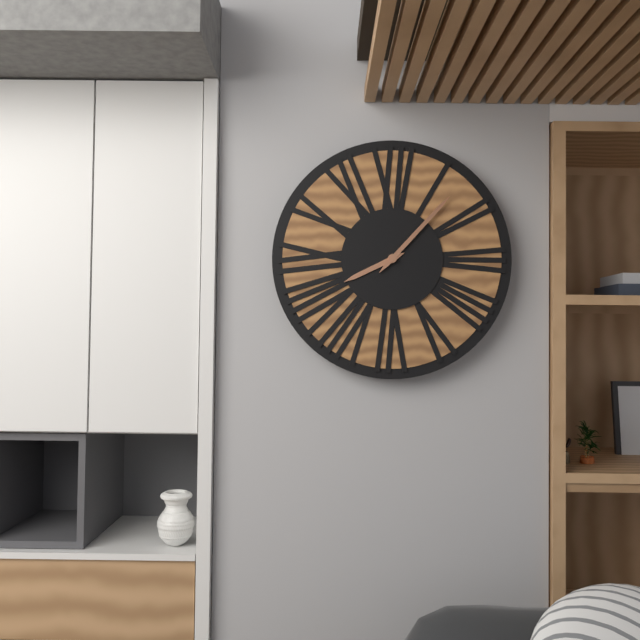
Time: h=8 m=7
